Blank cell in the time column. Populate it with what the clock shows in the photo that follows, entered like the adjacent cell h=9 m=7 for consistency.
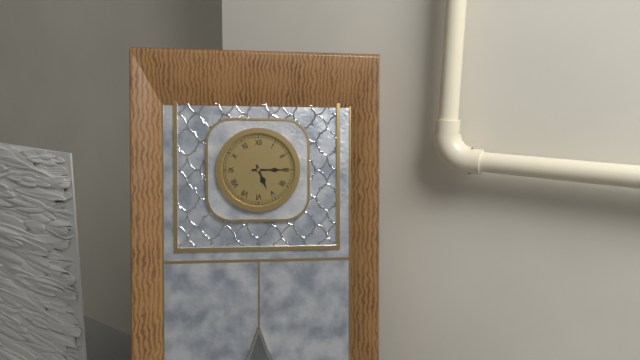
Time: h=5 m=15
